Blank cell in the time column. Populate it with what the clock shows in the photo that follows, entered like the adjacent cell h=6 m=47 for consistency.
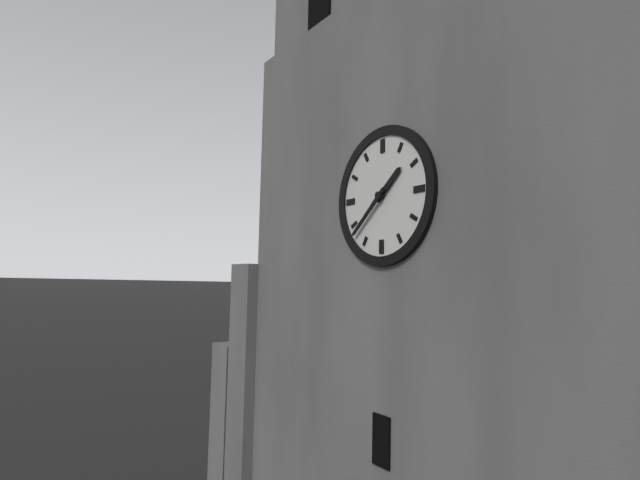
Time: h=1 m=38
